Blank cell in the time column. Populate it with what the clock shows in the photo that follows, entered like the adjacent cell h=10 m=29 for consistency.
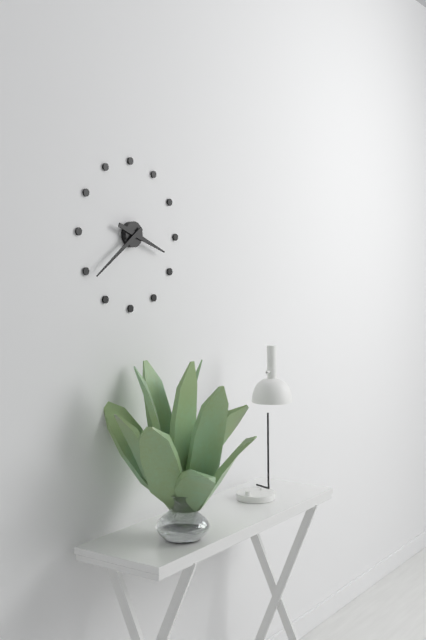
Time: h=3 m=39
